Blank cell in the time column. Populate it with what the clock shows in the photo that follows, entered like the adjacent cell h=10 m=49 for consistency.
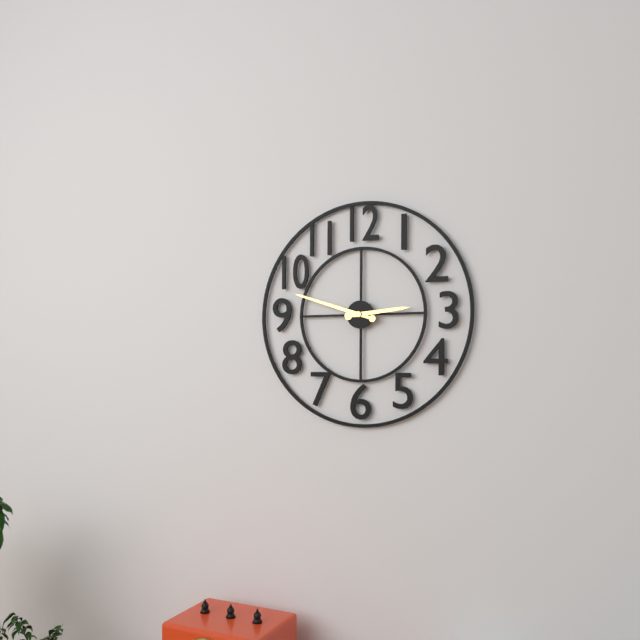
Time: h=2 m=48
